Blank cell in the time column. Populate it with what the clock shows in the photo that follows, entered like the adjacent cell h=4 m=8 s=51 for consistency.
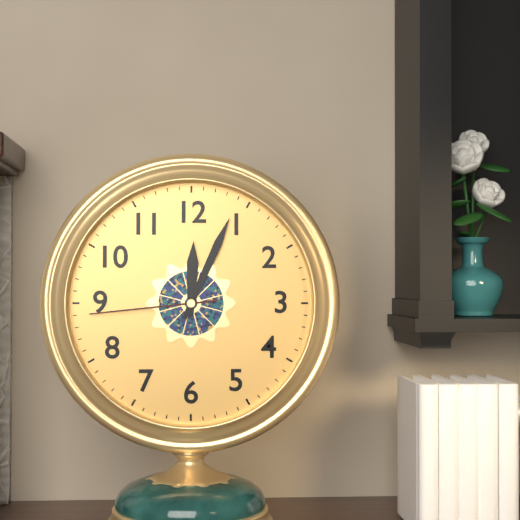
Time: h=12 m=4 s=44
